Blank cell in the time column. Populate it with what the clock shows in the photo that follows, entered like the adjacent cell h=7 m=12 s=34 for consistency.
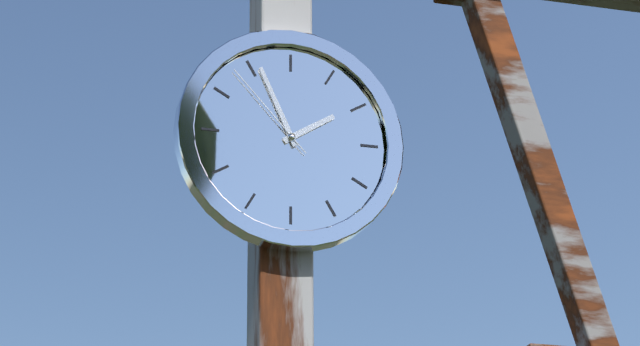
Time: h=1 m=56 s=53
